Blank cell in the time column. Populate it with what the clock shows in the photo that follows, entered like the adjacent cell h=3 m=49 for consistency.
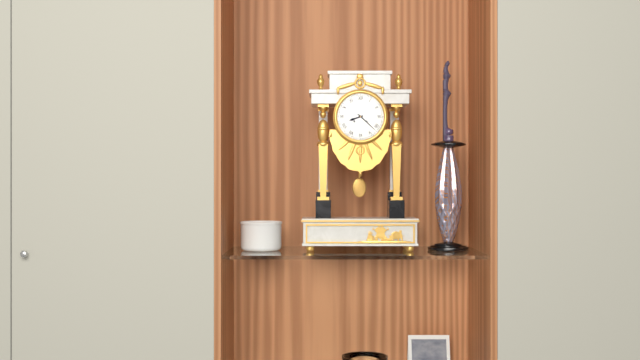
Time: h=8 m=22
